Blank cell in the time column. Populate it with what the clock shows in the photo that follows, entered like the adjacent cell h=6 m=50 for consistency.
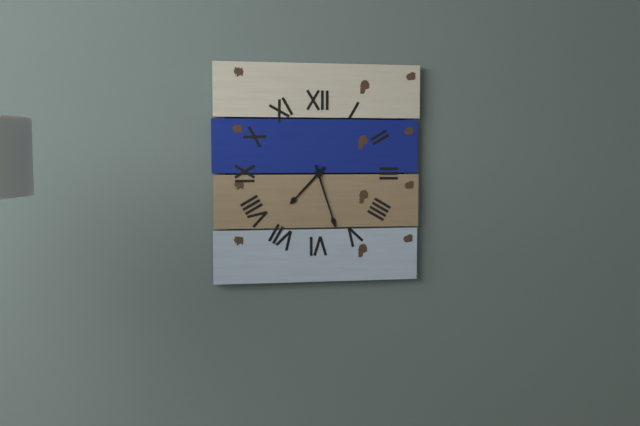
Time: h=7 m=27
